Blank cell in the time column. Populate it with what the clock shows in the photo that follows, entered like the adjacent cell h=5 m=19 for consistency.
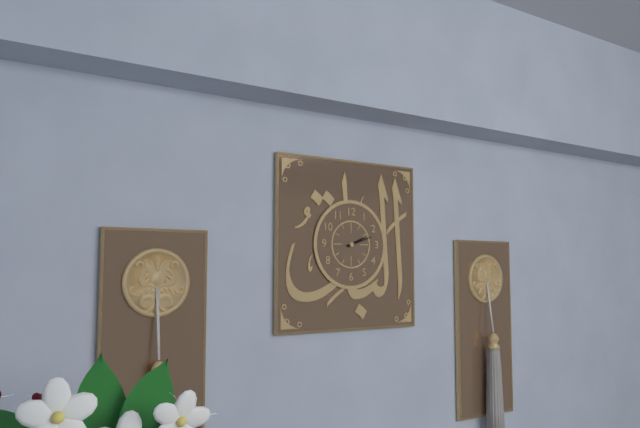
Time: h=2 m=12
